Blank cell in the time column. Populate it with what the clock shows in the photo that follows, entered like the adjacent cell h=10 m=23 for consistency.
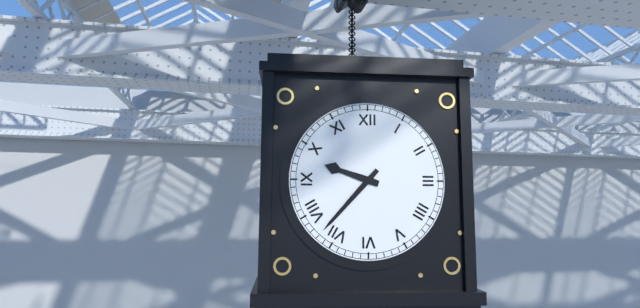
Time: h=9 m=37
